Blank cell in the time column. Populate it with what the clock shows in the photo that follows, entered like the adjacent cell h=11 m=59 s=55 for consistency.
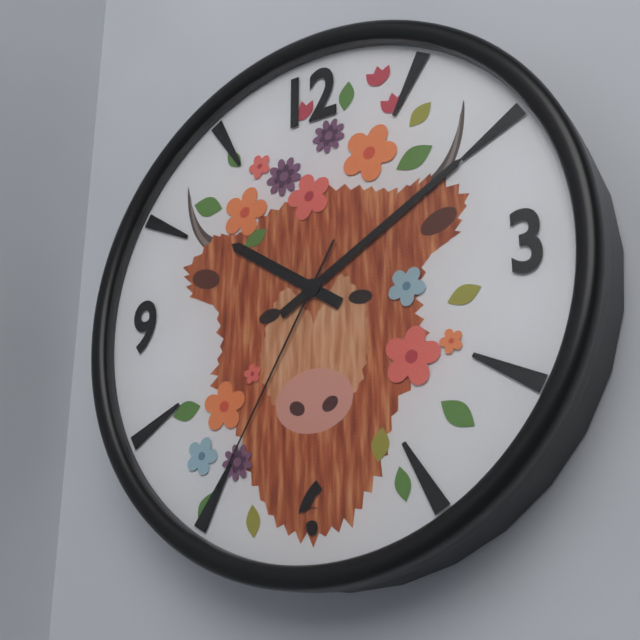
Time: h=10 m=10 s=35
